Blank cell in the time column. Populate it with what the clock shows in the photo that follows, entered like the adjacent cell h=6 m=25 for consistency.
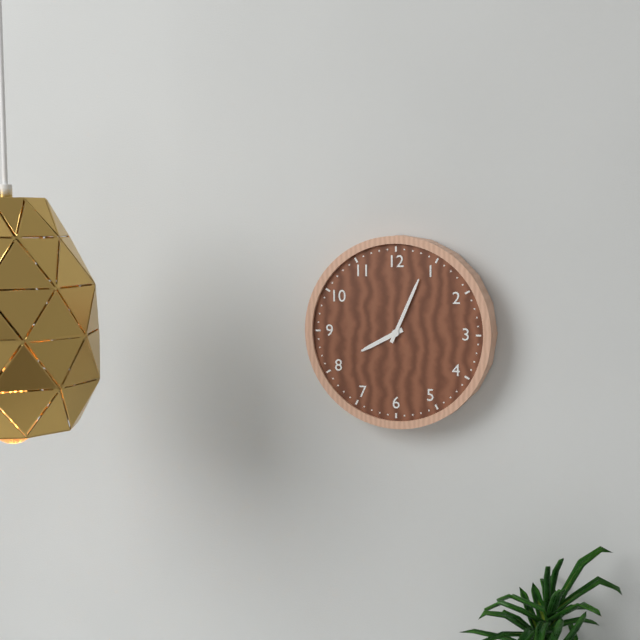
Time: h=8 m=4
